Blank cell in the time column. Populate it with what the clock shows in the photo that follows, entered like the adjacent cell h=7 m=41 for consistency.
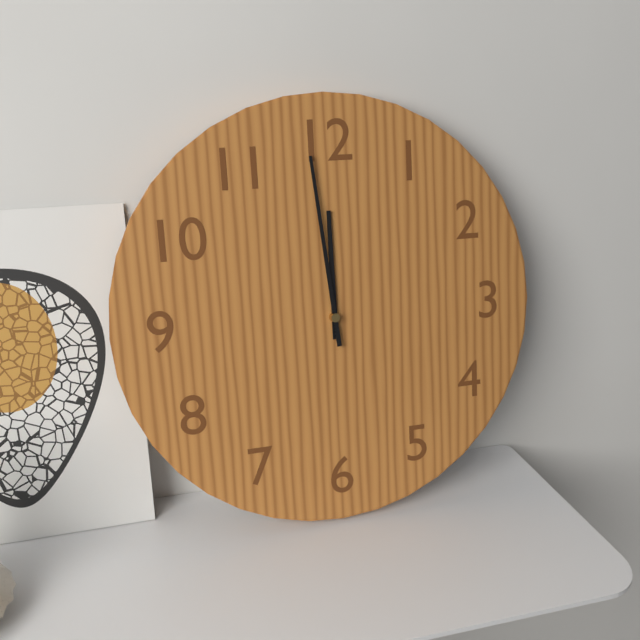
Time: h=11 m=59
